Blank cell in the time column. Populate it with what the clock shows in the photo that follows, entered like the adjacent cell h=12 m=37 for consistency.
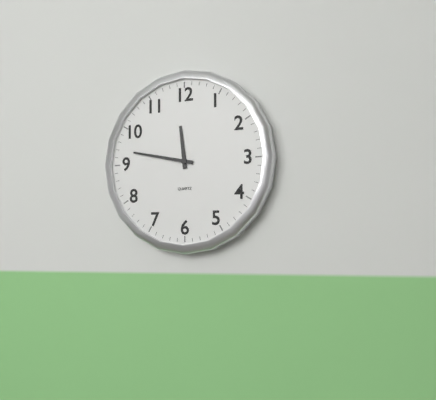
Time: h=11 m=47
